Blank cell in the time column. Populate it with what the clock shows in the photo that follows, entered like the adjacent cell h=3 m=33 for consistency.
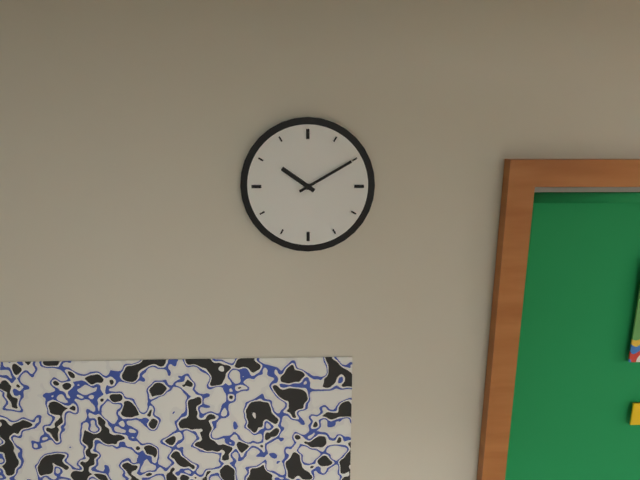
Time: h=10 m=10
